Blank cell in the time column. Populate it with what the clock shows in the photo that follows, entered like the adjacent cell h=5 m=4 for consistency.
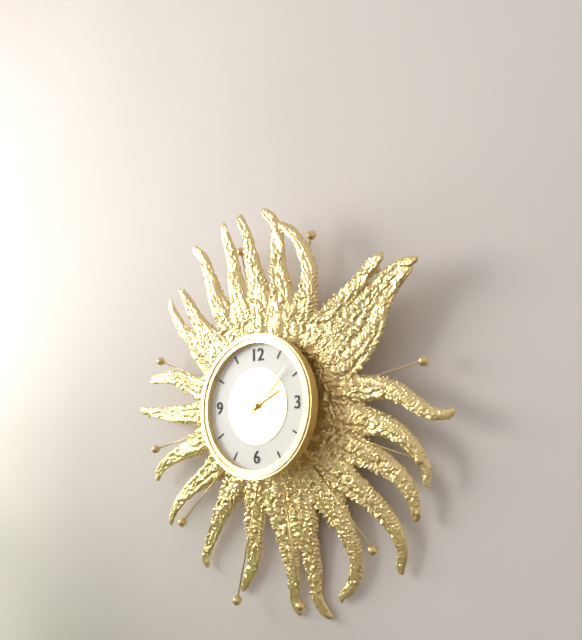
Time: h=2 m=8
